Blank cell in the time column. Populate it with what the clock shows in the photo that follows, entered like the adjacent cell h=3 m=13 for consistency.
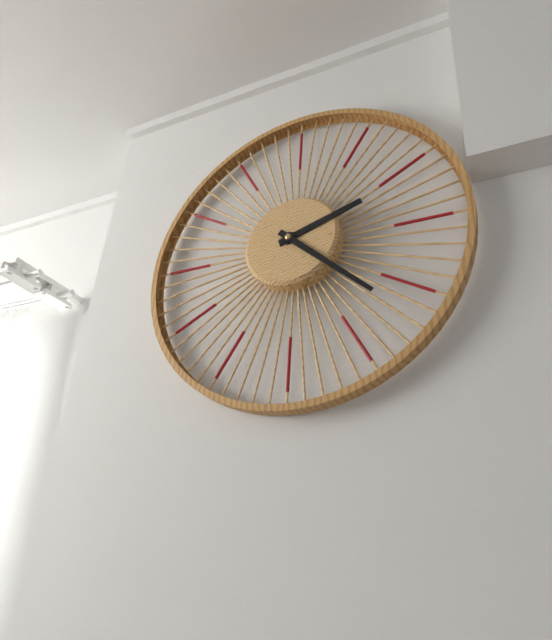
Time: h=2 m=22
